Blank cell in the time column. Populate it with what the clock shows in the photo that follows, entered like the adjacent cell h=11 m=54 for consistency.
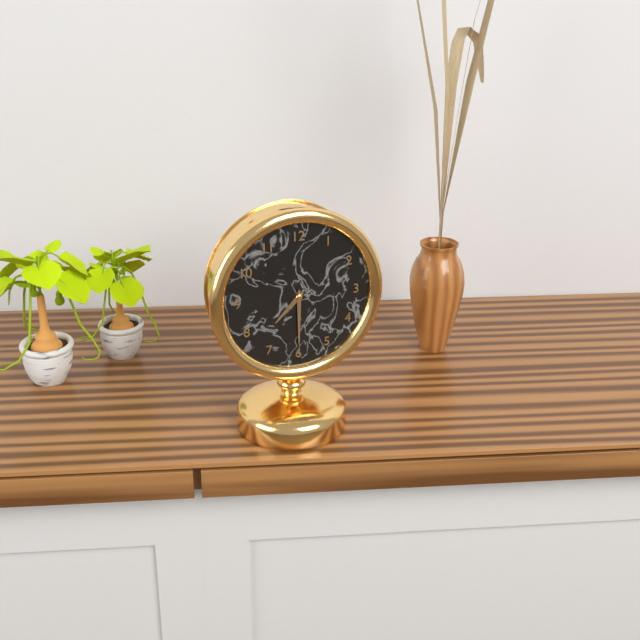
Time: h=7 m=30
